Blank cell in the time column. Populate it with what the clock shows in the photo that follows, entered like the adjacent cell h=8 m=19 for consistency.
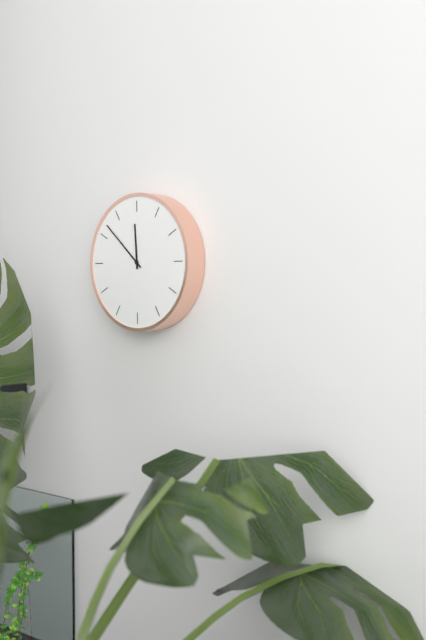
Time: h=11 m=52
